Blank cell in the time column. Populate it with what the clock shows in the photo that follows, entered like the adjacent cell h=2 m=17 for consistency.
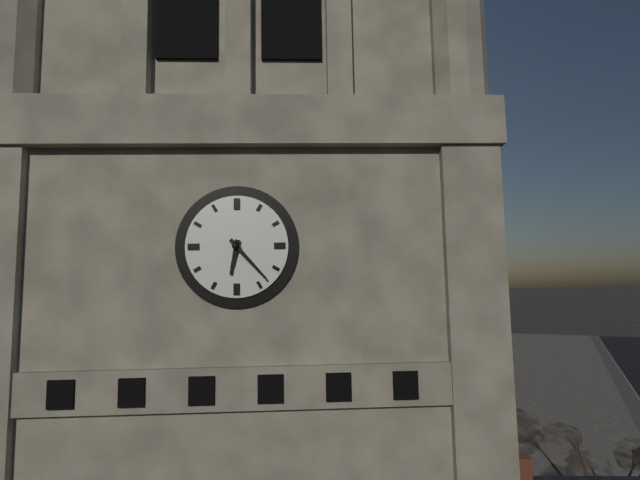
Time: h=6 m=23
